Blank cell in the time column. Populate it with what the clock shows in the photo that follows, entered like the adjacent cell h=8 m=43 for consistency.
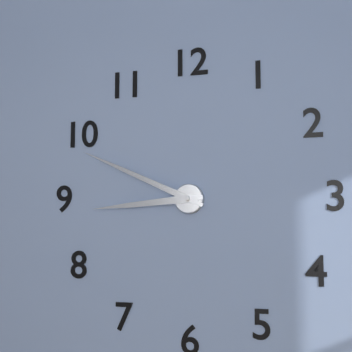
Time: h=8 m=49
